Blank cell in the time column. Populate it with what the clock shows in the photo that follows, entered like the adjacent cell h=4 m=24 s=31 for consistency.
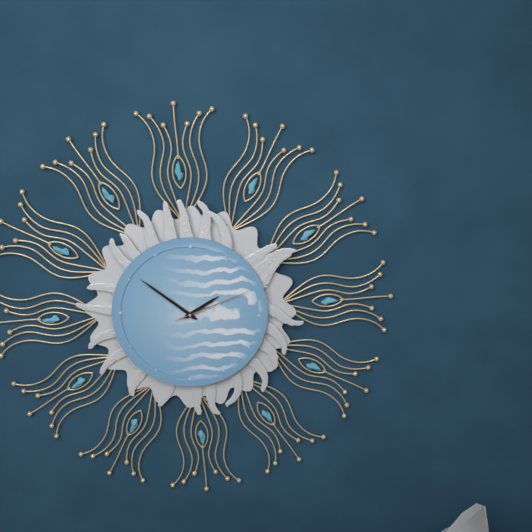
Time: h=1 m=51 s=11
